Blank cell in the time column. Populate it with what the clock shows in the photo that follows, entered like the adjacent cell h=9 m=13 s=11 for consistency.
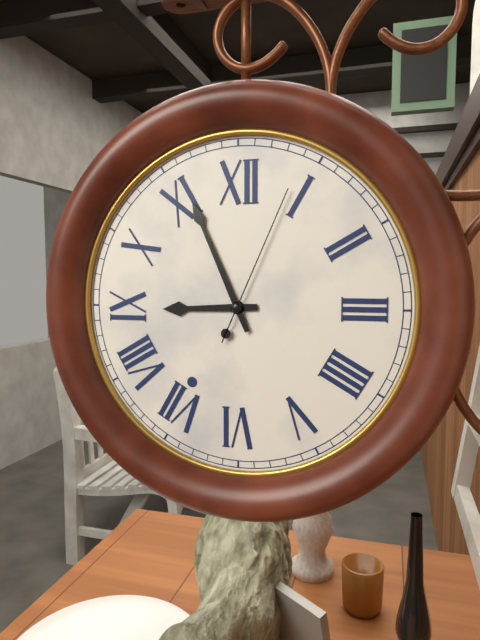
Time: h=8 m=56 s=4
